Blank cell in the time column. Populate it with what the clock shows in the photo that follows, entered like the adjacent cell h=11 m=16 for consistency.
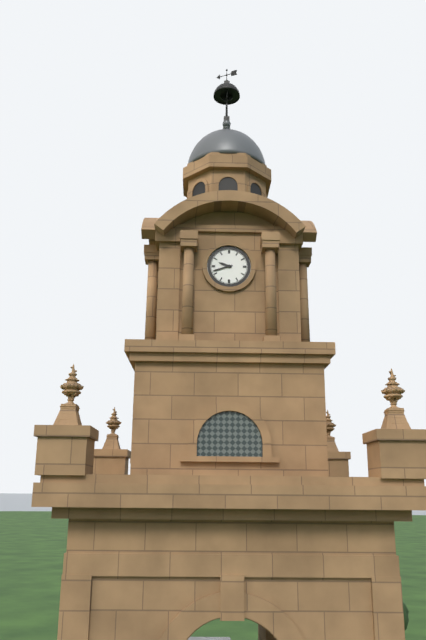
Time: h=9 m=42
